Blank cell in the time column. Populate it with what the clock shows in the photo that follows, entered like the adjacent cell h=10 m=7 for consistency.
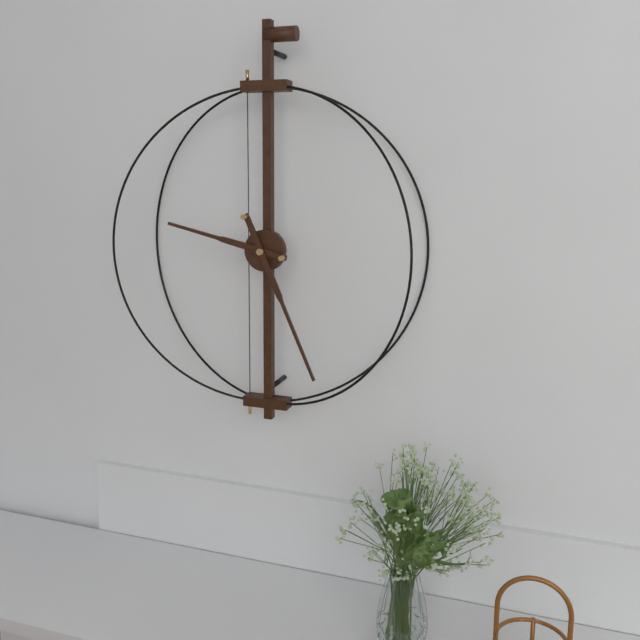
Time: h=9 m=26
